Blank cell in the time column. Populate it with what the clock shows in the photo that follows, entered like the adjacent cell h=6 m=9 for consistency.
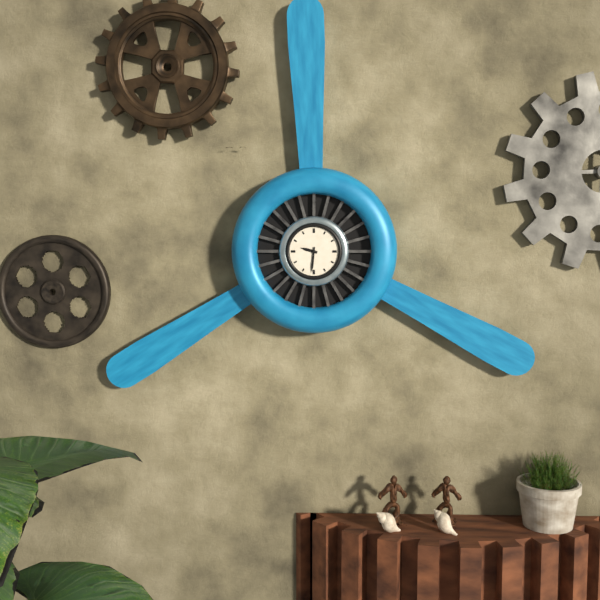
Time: h=9 m=31
